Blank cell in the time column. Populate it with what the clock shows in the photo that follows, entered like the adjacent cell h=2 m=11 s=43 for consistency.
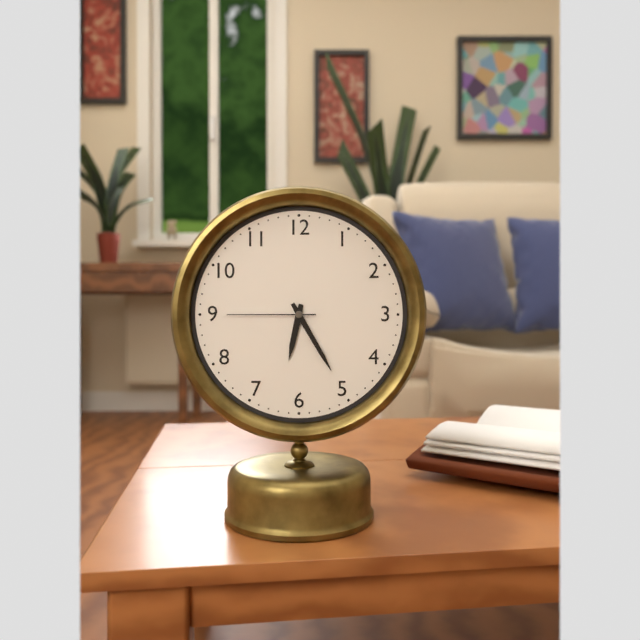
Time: h=6 m=25 s=45
